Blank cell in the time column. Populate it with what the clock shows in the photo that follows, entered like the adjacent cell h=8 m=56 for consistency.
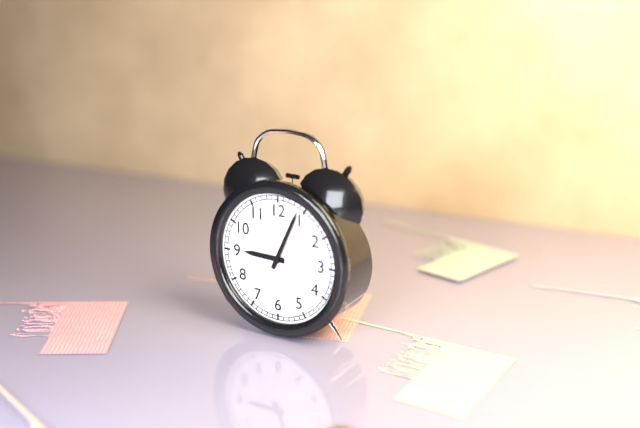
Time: h=9 m=4
